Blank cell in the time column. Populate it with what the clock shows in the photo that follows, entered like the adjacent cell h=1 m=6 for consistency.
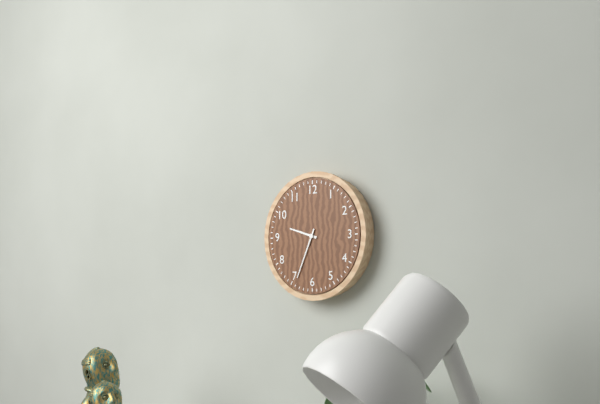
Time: h=9 m=34
